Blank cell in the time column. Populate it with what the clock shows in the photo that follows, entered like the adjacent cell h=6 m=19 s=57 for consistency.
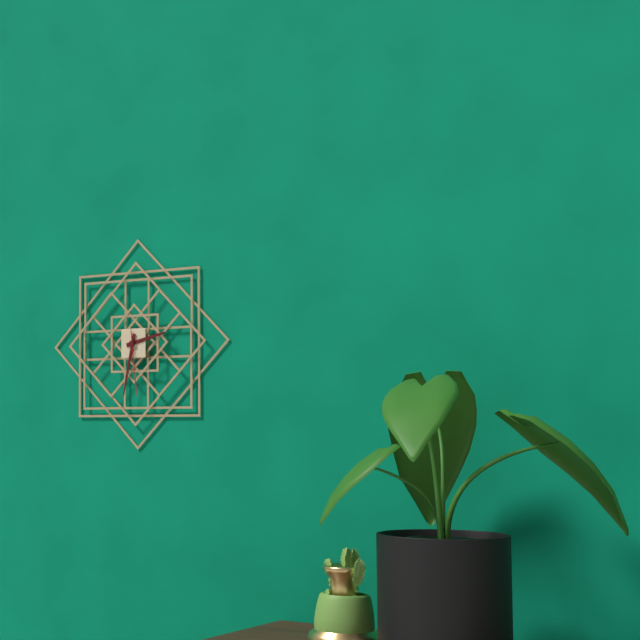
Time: h=2 m=32 s=29
